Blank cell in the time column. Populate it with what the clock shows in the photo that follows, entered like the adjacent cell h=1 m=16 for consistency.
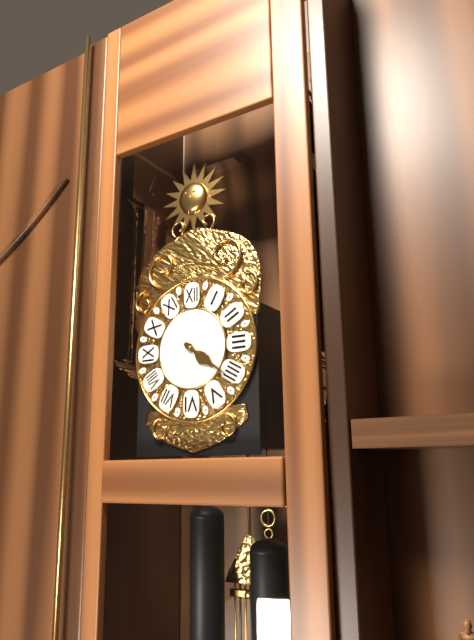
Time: h=4 m=21
